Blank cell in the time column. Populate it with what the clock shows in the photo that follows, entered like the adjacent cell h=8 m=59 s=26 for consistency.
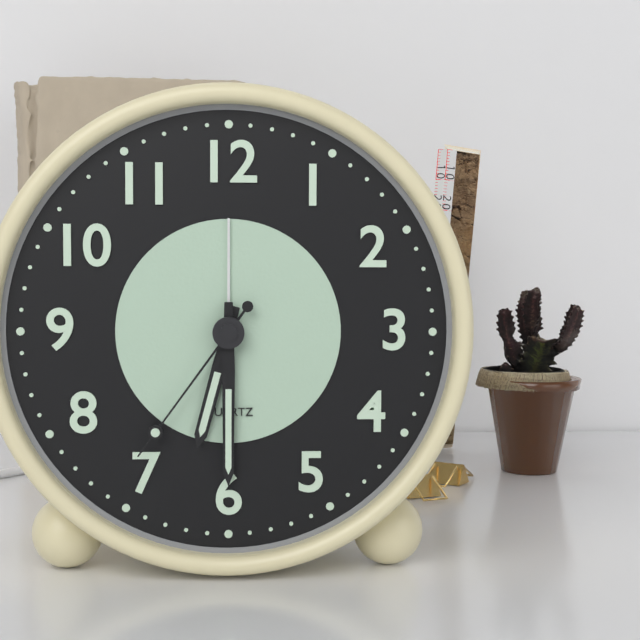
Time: h=6 m=30 s=36
